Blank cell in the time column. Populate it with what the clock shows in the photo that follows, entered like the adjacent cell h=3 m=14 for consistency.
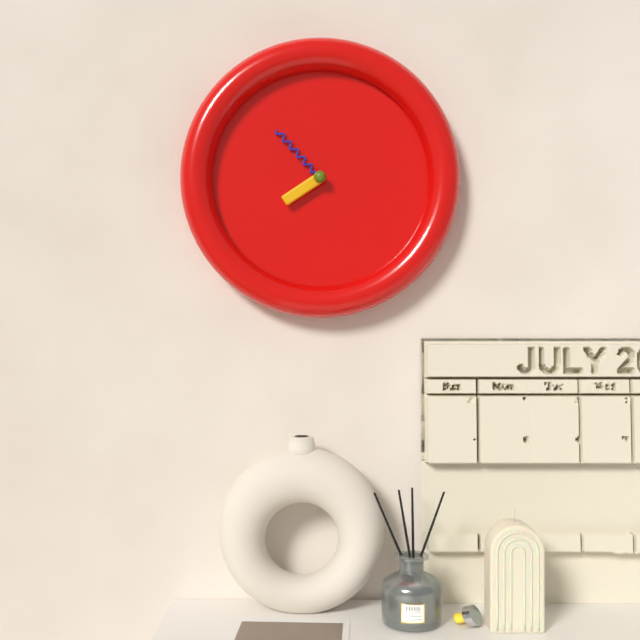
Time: h=7 m=53
